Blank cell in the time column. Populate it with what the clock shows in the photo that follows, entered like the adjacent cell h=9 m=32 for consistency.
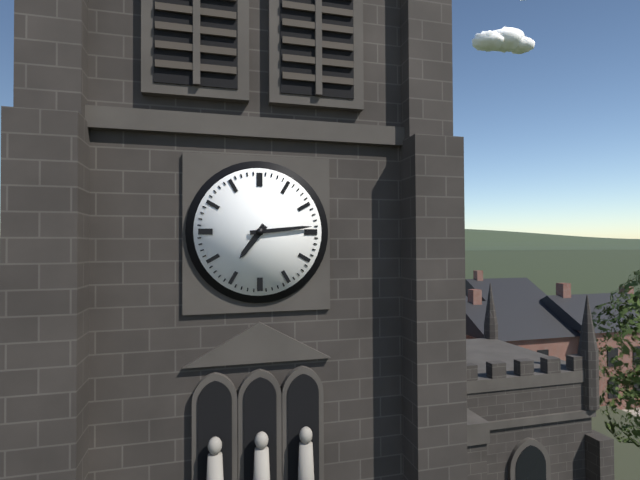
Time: h=7 m=14
